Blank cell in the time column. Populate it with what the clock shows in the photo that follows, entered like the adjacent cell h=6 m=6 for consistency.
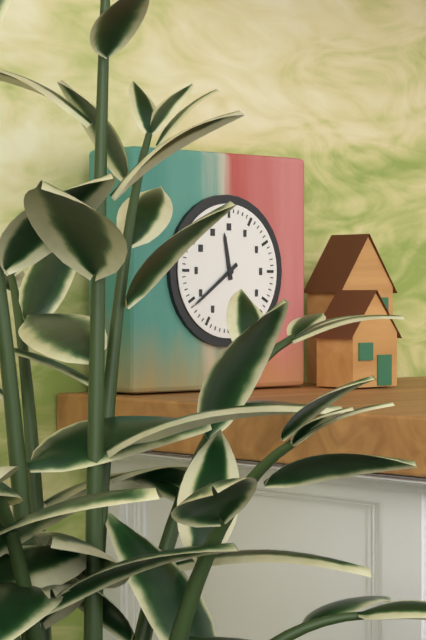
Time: h=11 m=39
